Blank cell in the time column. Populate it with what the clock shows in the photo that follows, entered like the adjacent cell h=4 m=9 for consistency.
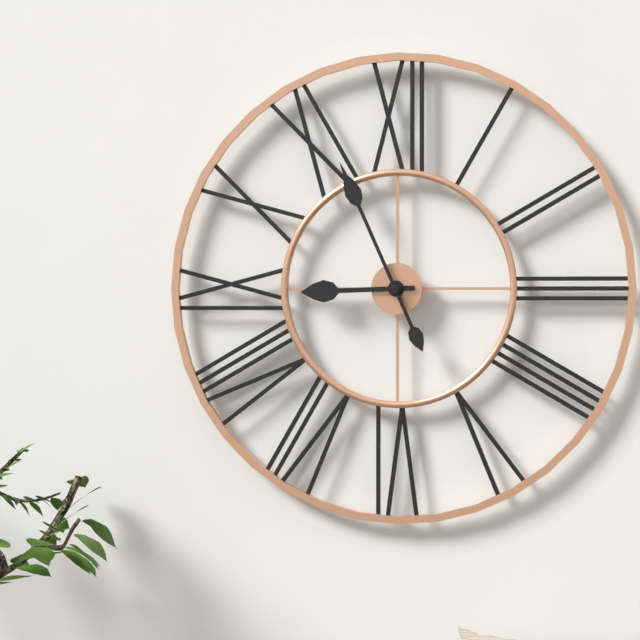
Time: h=8 m=56
